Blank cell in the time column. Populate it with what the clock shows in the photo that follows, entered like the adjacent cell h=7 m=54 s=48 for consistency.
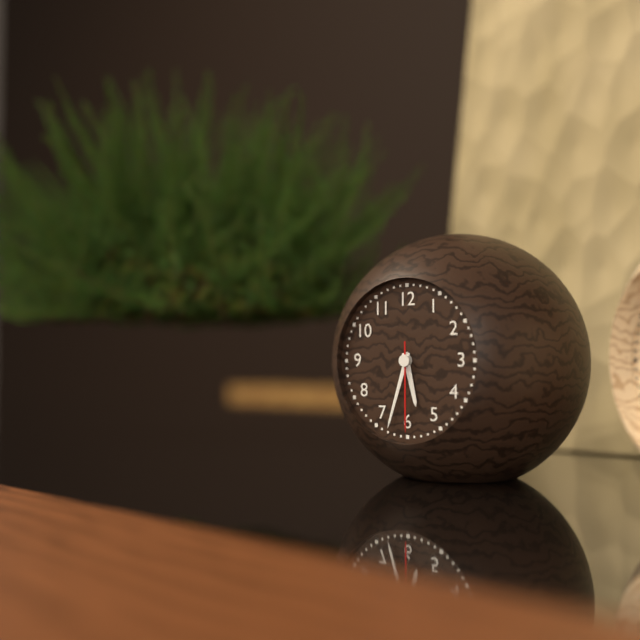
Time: h=5 m=33 s=30
